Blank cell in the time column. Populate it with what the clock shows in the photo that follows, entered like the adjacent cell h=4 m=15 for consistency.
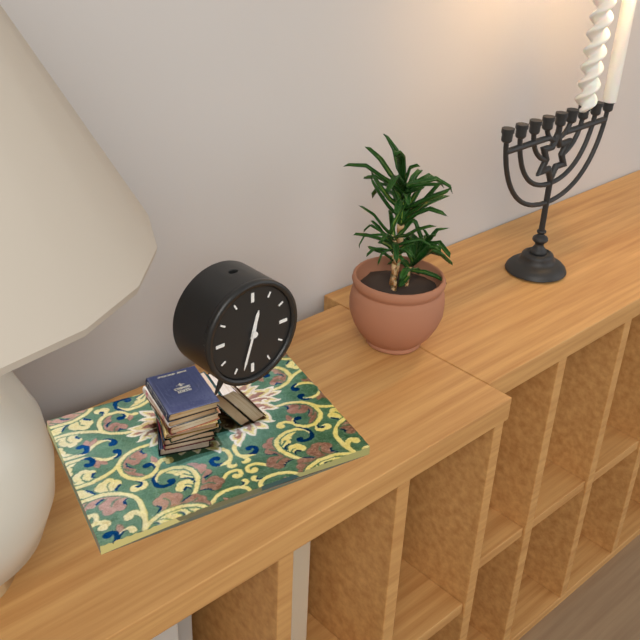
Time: h=12 m=33
